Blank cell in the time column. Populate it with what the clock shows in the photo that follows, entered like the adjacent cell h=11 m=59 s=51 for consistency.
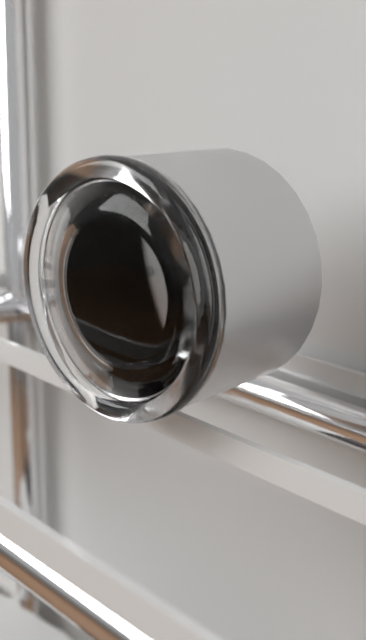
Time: h=1 m=51 s=37
